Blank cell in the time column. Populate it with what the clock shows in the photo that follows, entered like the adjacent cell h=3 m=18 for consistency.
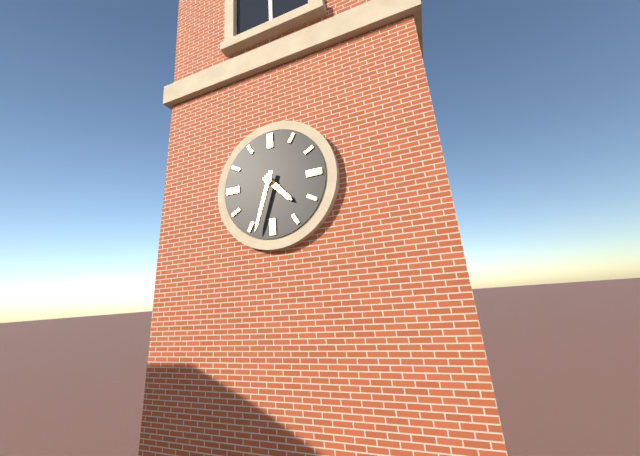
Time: h=4 m=33
